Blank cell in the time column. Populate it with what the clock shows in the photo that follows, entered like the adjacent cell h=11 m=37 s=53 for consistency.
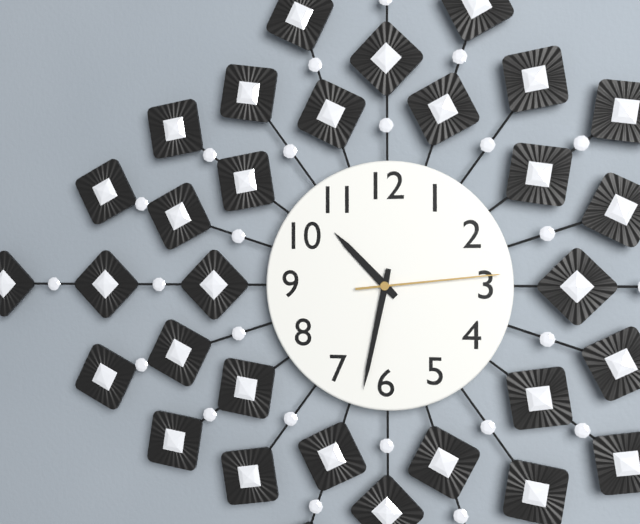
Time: h=10 m=32 s=14
